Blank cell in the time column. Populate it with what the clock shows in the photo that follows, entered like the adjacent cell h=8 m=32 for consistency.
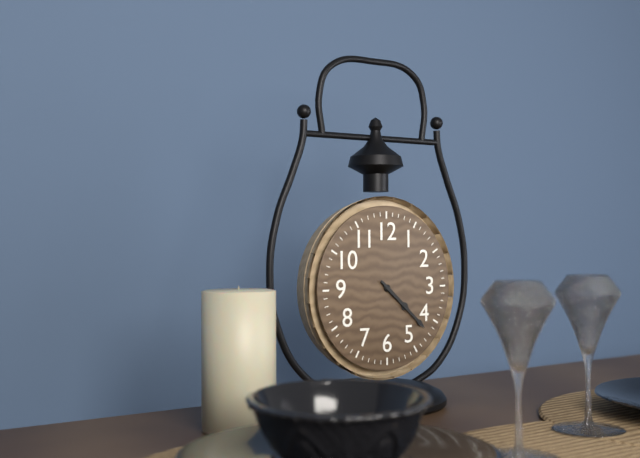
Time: h=4 m=22
